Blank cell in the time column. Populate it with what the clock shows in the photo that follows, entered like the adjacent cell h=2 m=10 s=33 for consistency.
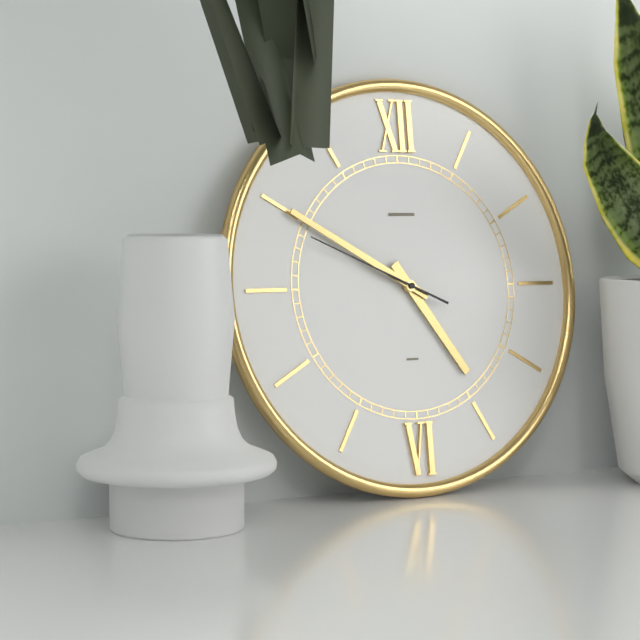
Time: h=4 m=50 s=49
